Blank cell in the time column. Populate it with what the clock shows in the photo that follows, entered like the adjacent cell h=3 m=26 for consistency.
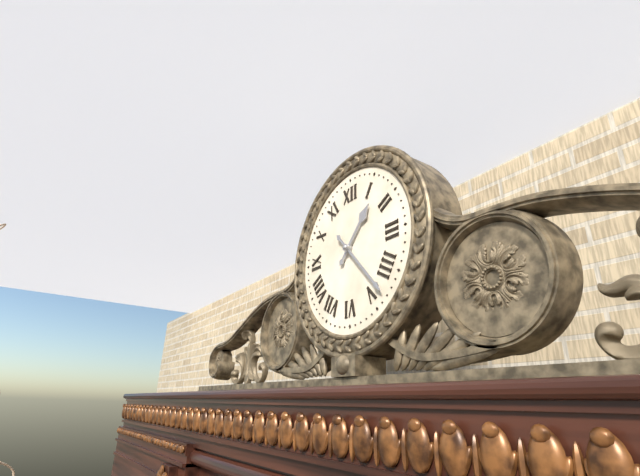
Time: h=1 m=23
